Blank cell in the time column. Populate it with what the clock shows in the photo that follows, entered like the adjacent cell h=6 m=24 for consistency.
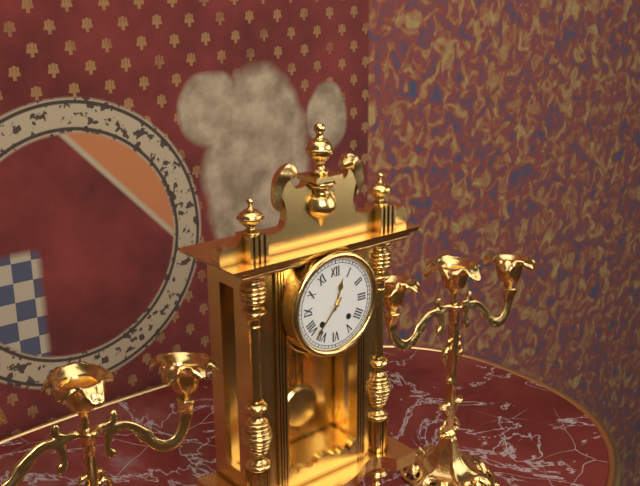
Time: h=12 m=37
